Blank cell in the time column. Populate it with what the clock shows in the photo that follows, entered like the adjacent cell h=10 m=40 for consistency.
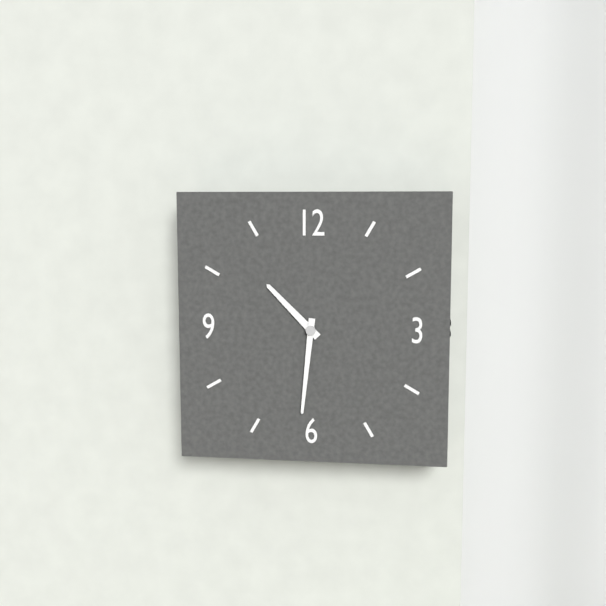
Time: h=10 m=31
